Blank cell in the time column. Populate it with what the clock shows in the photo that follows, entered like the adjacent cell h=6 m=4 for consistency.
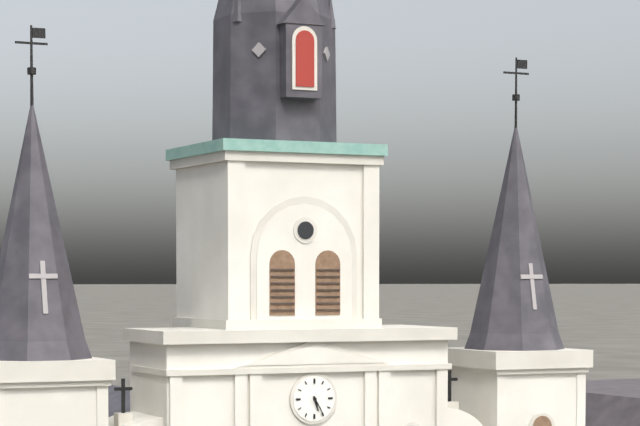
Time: h=5 m=25
